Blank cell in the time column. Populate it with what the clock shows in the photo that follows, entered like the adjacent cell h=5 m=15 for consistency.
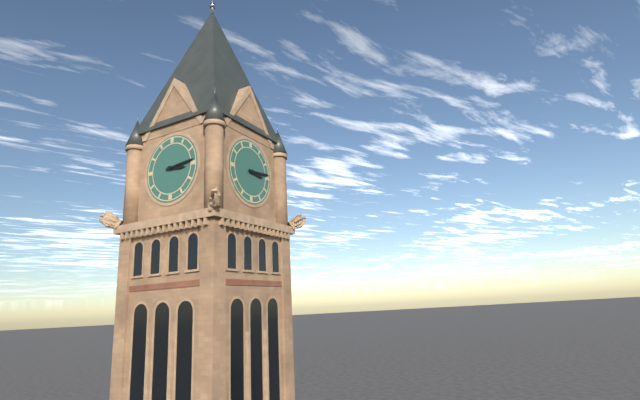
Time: h=3 m=14
